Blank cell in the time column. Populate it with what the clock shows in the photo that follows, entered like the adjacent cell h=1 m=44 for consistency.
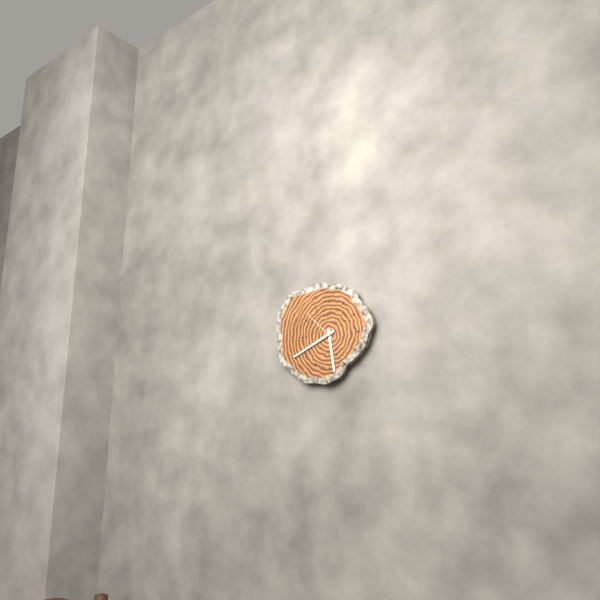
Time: h=5 m=41
